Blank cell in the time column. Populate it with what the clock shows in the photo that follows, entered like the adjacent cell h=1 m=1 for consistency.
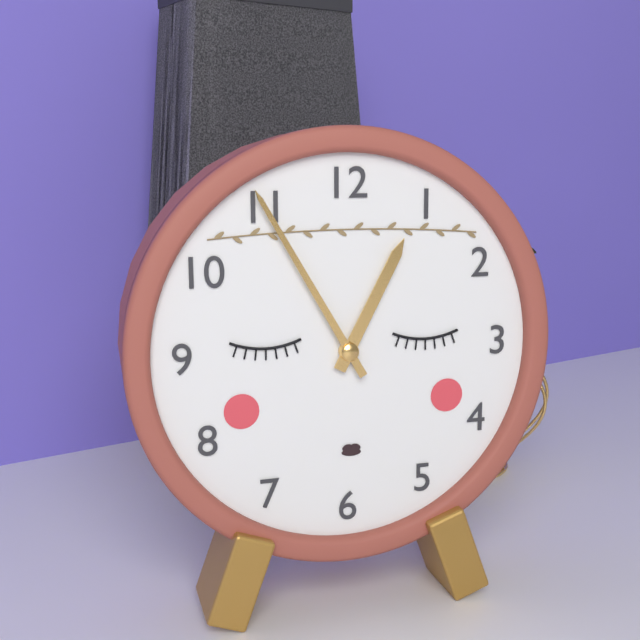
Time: h=12 m=55
